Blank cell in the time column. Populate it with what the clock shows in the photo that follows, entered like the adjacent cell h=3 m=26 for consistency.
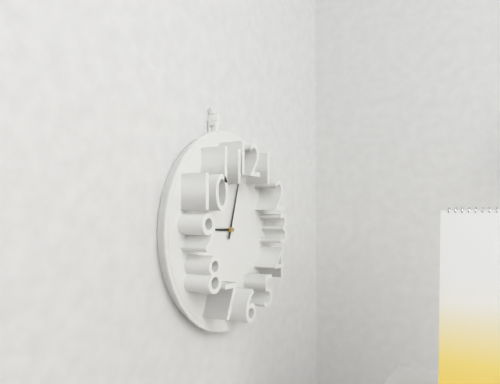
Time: h=9 m=3
